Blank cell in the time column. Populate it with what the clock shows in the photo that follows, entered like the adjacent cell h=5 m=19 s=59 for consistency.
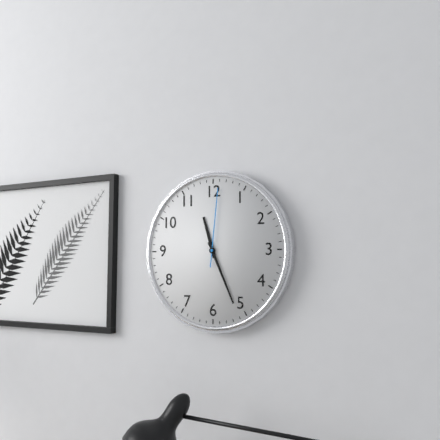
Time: h=11 m=26 s=1
